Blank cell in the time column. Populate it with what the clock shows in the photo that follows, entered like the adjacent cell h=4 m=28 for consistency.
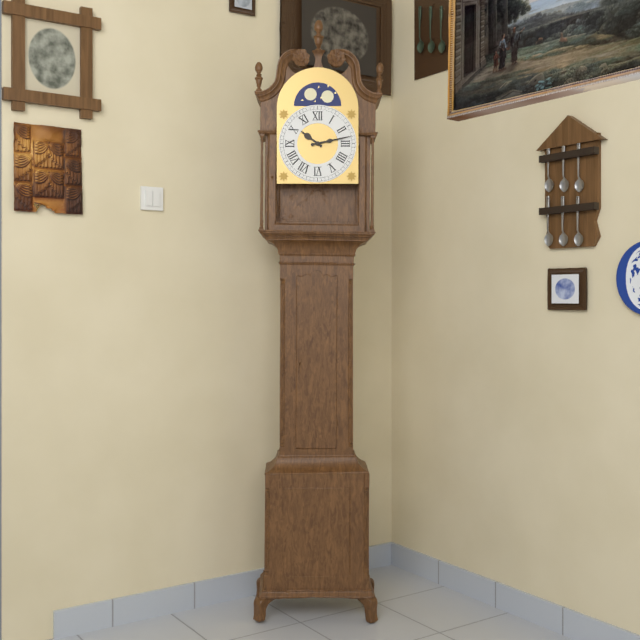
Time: h=10 m=13
